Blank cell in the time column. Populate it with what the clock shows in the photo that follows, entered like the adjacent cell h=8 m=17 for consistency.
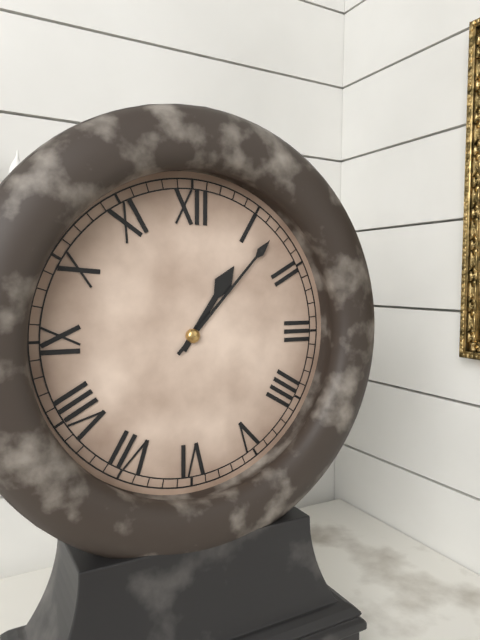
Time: h=1 m=7
